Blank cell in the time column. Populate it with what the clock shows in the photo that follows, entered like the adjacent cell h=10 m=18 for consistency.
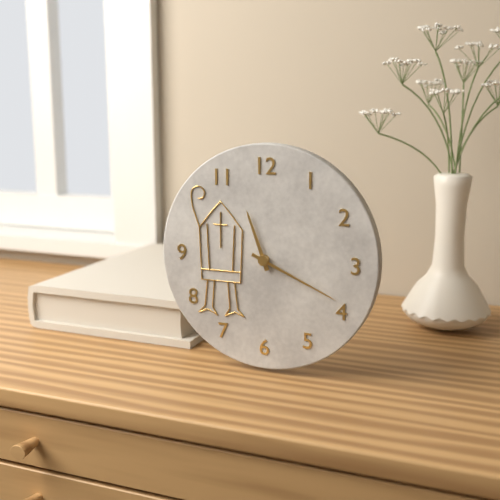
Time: h=11 m=19
